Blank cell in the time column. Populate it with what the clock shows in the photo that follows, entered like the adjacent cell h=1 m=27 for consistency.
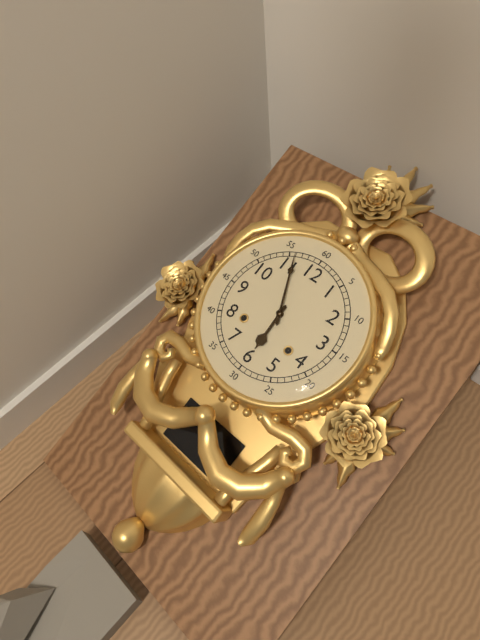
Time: h=5 m=56
